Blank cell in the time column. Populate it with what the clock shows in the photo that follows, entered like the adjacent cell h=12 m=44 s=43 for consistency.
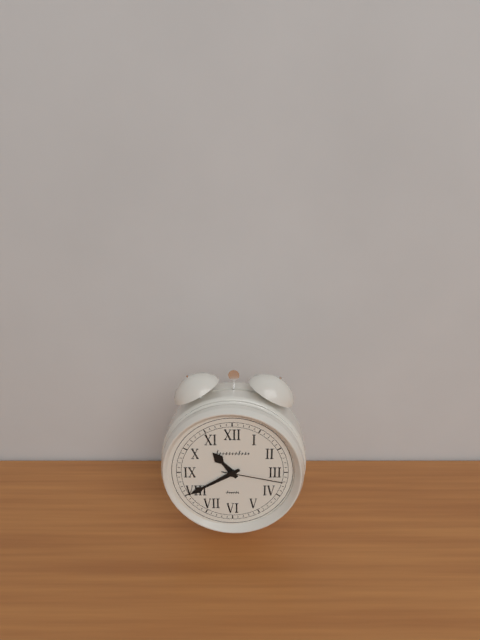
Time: h=10 m=40 s=17
